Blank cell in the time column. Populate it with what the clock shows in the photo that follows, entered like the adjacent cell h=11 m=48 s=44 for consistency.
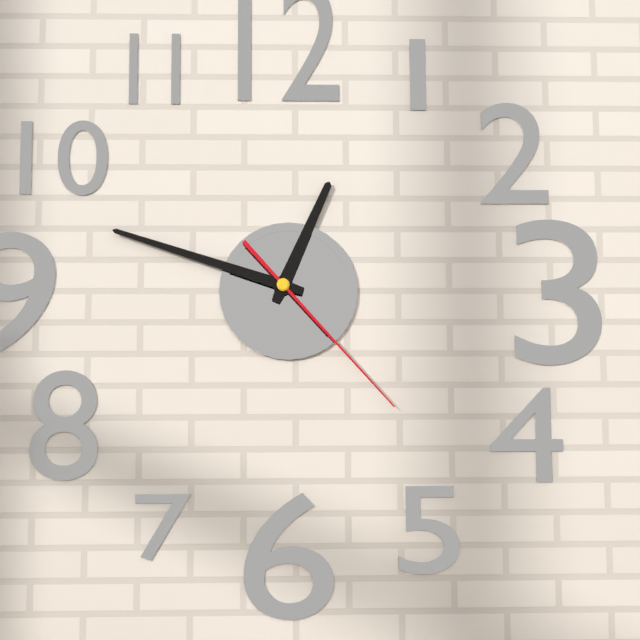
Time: h=12 m=48 s=23
